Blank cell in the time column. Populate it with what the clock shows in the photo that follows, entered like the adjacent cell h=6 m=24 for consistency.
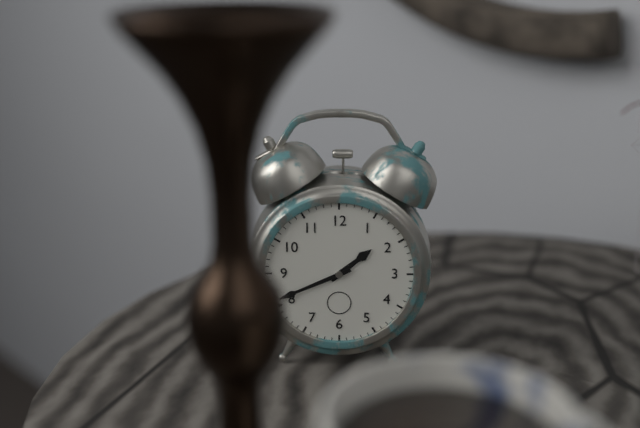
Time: h=1 m=41
